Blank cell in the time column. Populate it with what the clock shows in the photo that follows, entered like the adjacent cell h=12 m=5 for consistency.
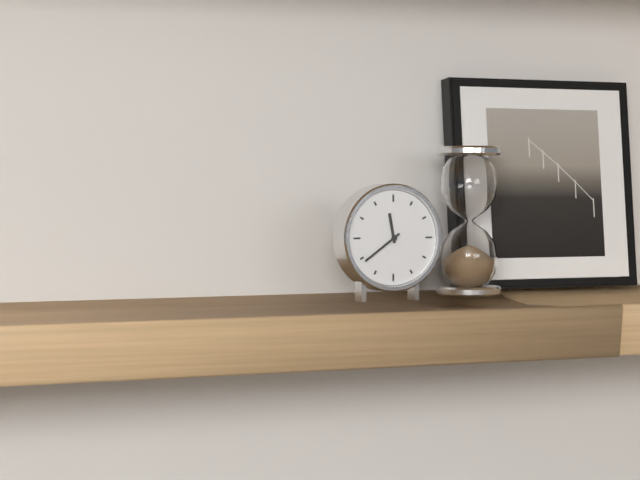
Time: h=11 m=39
